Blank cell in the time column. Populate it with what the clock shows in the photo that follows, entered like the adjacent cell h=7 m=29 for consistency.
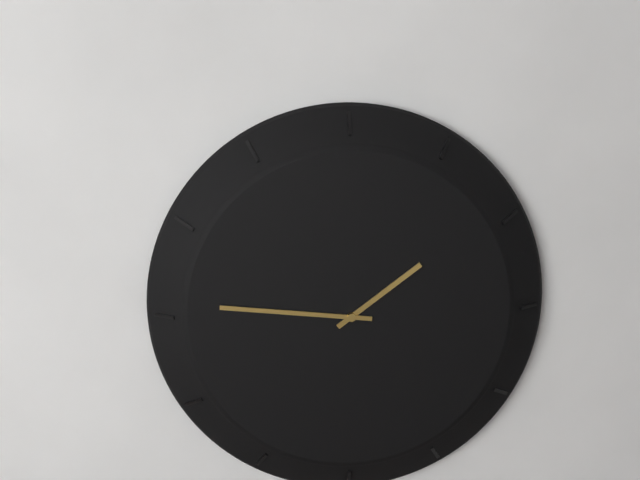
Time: h=1 m=46
